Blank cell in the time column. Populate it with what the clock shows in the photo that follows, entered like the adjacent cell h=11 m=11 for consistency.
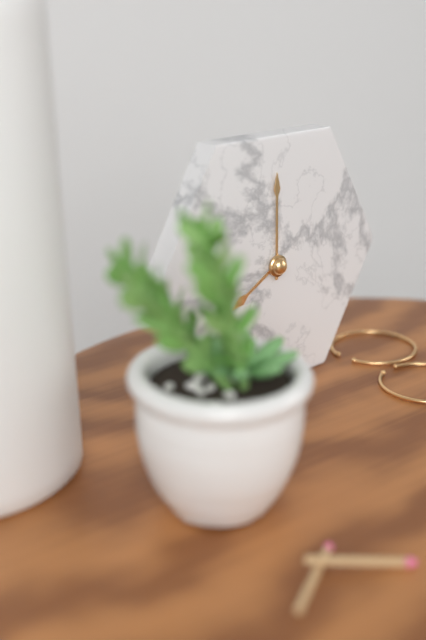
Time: h=8 m=0
